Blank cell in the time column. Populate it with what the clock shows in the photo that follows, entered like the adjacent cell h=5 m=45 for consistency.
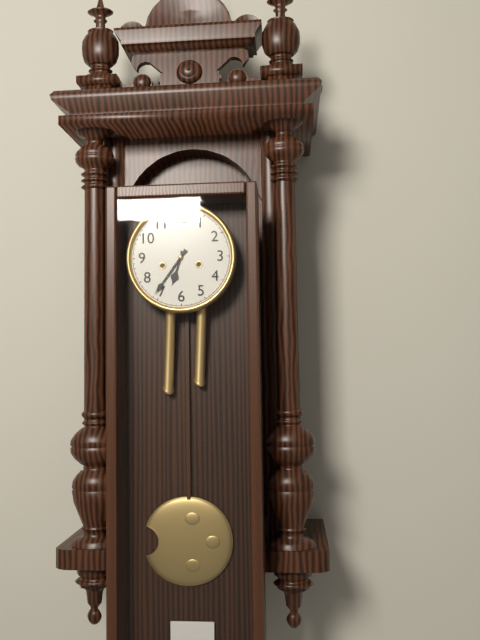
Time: h=6 m=36
